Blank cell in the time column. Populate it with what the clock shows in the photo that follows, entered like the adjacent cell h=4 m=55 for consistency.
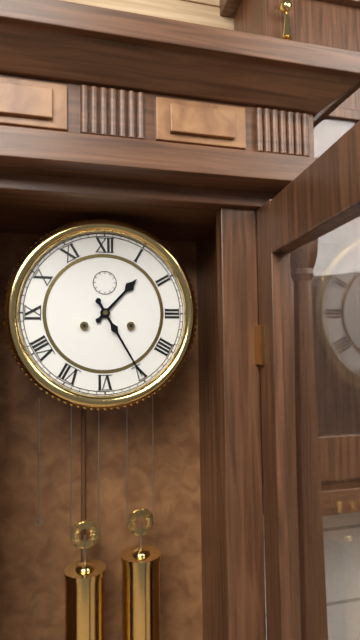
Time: h=1 m=25
